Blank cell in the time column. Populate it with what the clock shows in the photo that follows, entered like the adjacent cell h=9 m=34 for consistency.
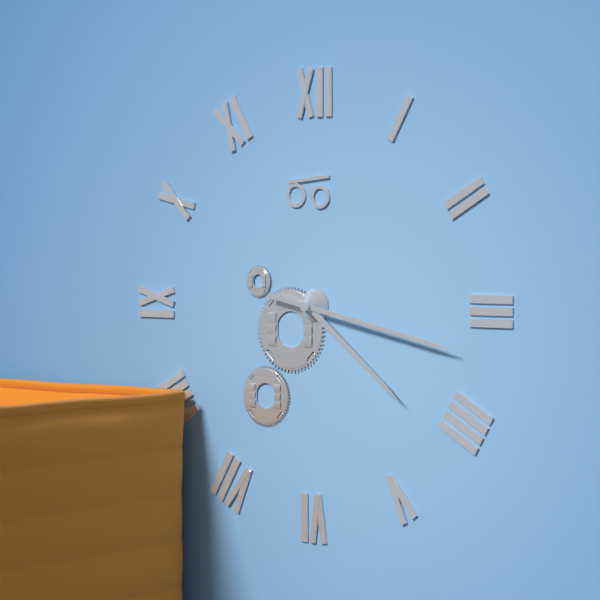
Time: h=4 m=17
